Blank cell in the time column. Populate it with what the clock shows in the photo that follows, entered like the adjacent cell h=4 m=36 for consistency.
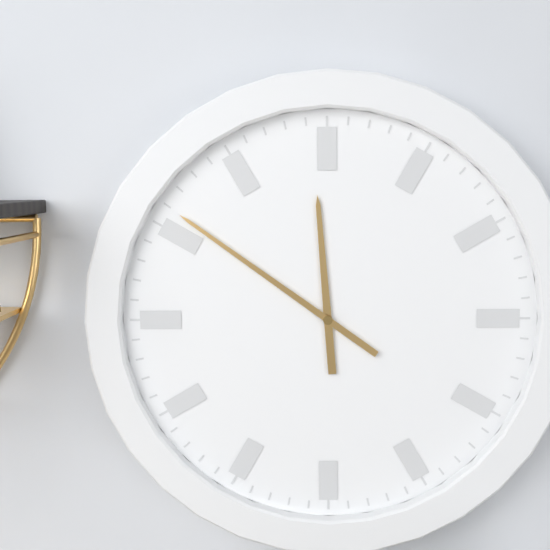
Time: h=11 m=51
